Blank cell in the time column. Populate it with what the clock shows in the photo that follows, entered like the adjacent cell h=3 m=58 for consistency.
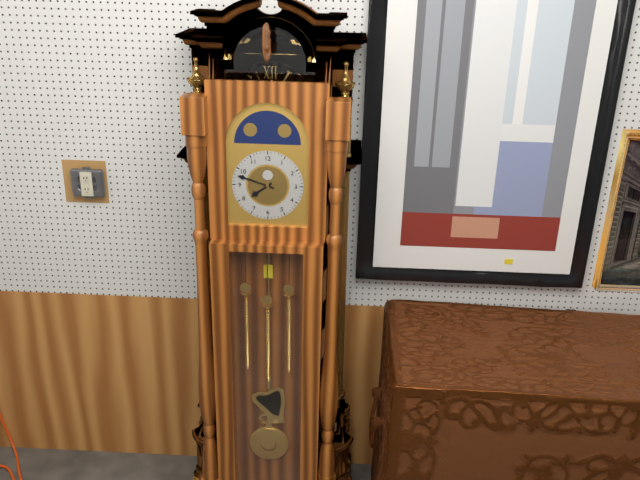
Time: h=7 m=48
